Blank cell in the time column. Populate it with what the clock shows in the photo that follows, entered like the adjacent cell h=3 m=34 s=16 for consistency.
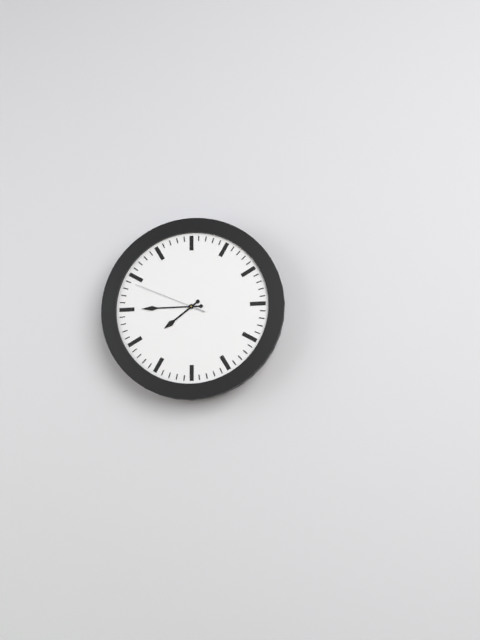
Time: h=7 m=45 s=49
